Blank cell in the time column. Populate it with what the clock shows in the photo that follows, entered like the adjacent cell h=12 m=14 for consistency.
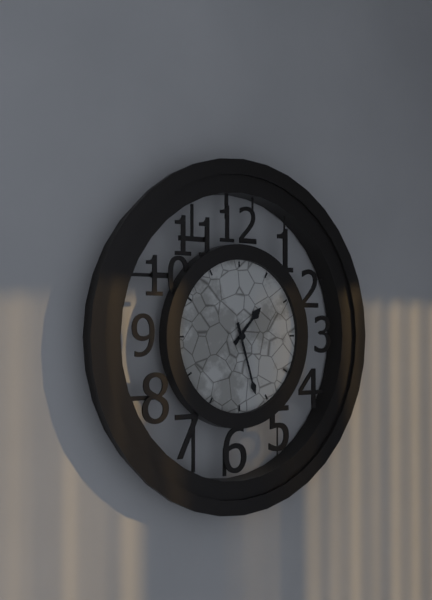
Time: h=1 m=27
